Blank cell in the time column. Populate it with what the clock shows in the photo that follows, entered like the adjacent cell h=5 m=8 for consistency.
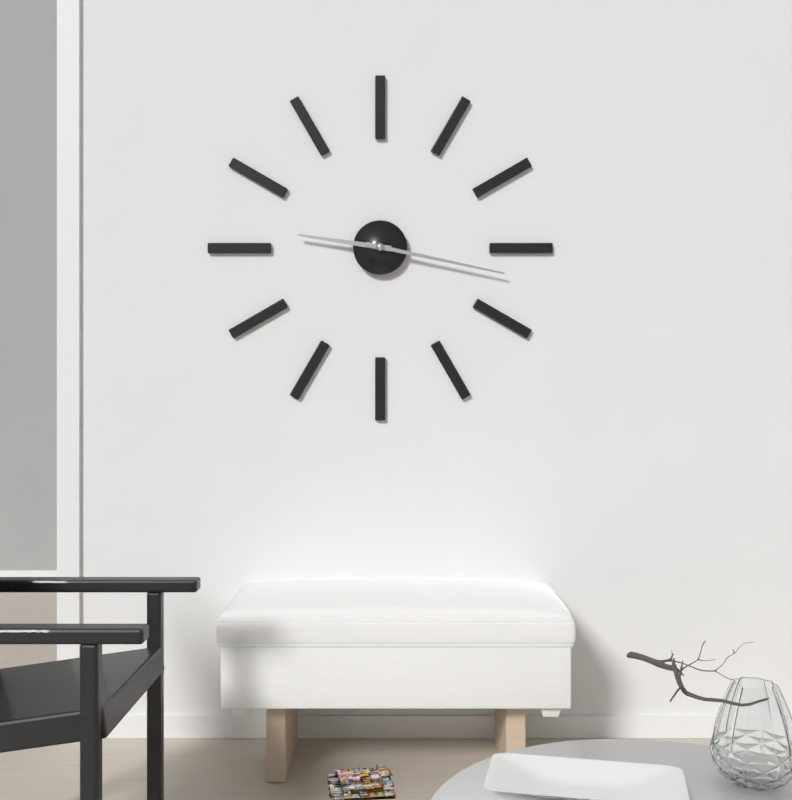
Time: h=9 m=17
